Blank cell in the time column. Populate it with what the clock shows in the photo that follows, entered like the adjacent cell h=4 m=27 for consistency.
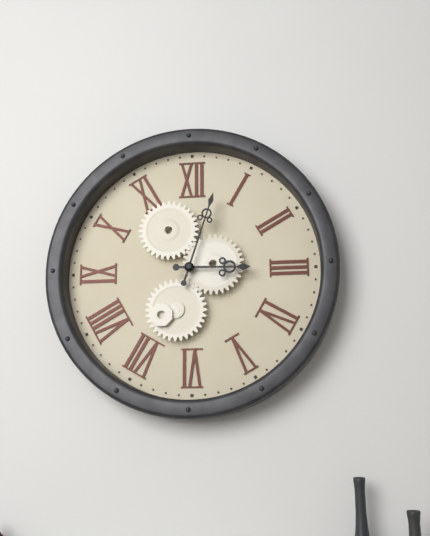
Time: h=3 m=3
